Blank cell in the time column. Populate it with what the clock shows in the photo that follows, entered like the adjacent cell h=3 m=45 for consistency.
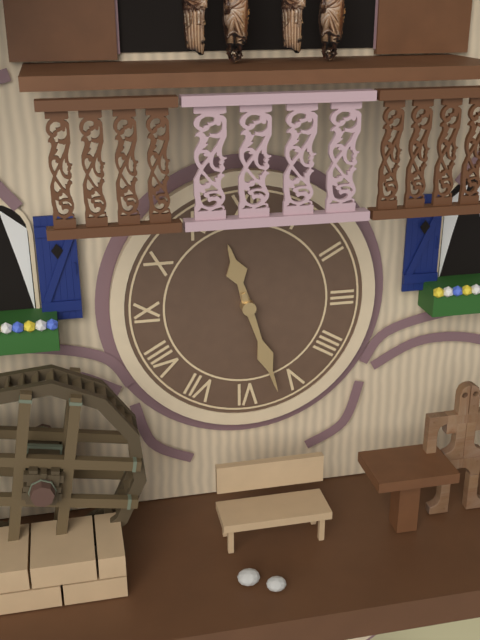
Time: h=11 m=27
